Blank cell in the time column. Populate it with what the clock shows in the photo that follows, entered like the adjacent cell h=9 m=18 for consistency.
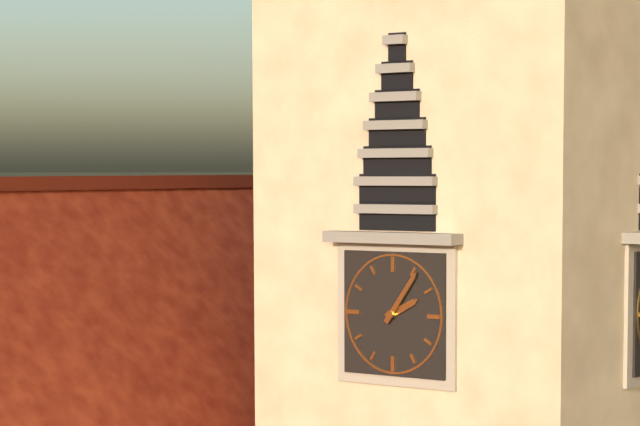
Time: h=2 m=6
